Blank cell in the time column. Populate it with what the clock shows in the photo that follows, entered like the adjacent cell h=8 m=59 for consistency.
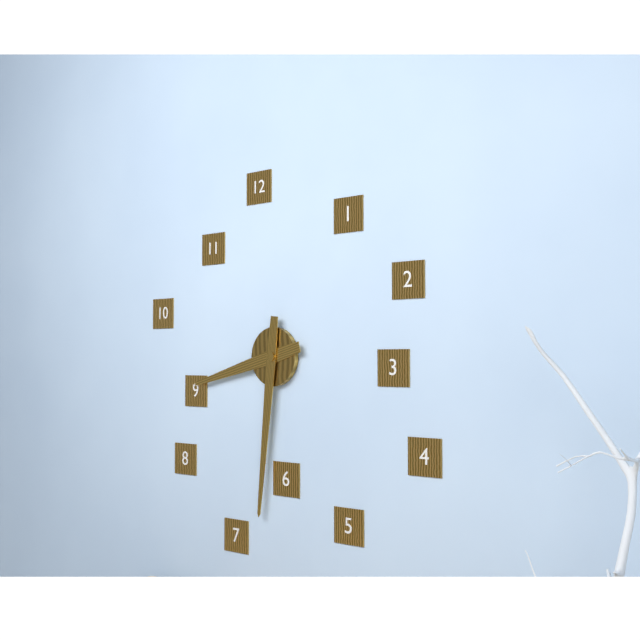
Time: h=8 m=31
